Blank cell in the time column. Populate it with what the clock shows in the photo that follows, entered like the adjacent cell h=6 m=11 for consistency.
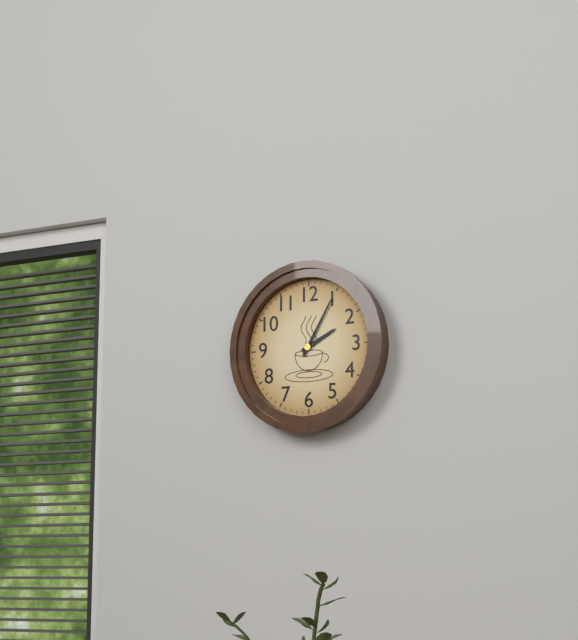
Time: h=2 m=5
